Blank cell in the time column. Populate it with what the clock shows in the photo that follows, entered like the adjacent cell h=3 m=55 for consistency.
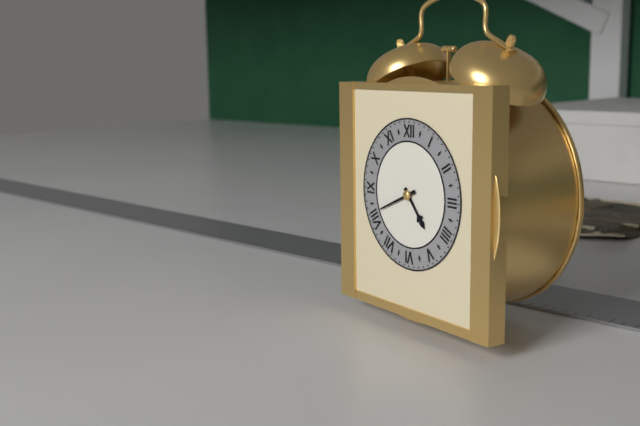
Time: h=4 m=41
